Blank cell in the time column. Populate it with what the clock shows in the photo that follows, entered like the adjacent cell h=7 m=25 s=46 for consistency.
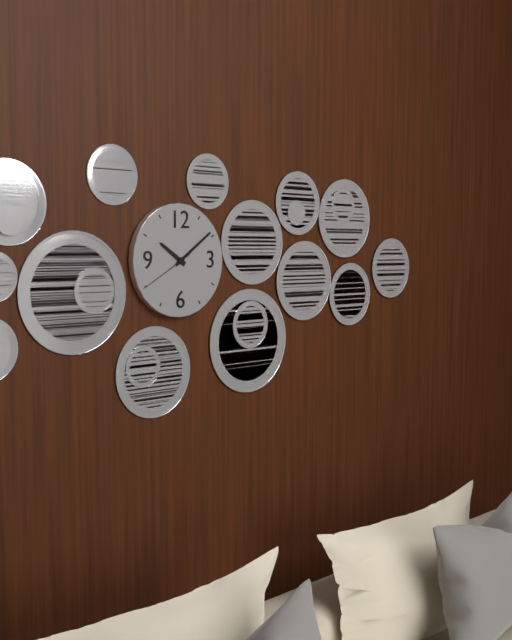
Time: h=10 m=9 s=40
